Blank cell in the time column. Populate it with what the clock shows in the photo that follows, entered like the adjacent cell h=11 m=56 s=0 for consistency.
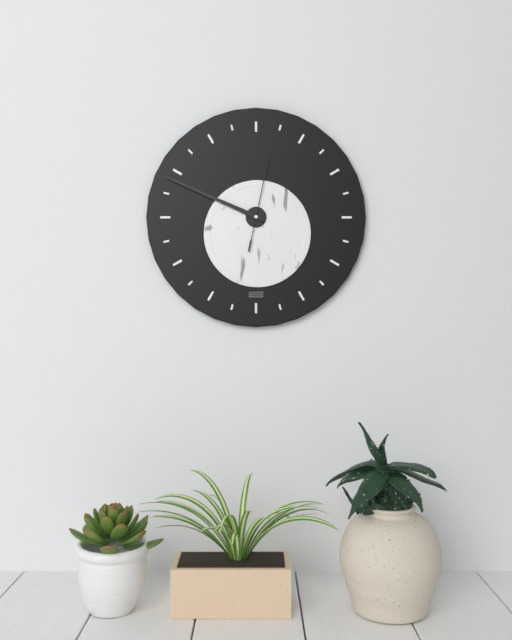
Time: h=9 m=49 s=2
